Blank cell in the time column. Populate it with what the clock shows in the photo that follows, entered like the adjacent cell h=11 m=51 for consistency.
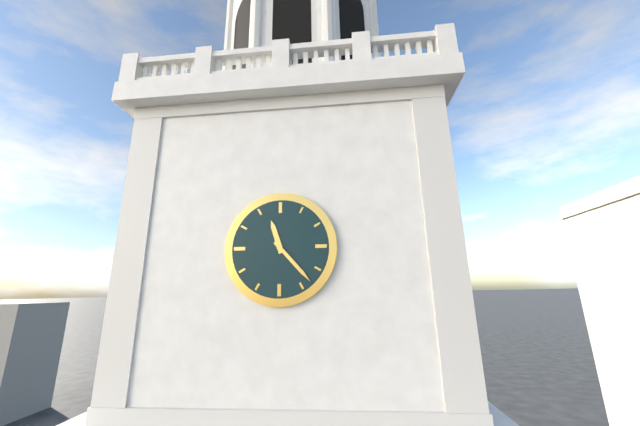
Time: h=11 m=23
